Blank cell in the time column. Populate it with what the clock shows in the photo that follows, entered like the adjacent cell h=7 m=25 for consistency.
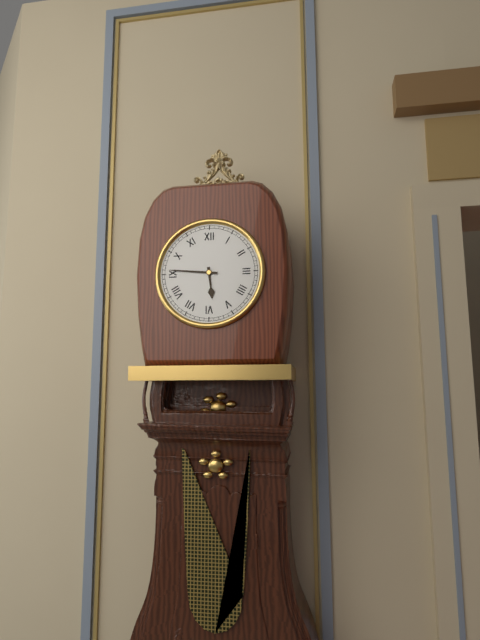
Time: h=5 m=46
